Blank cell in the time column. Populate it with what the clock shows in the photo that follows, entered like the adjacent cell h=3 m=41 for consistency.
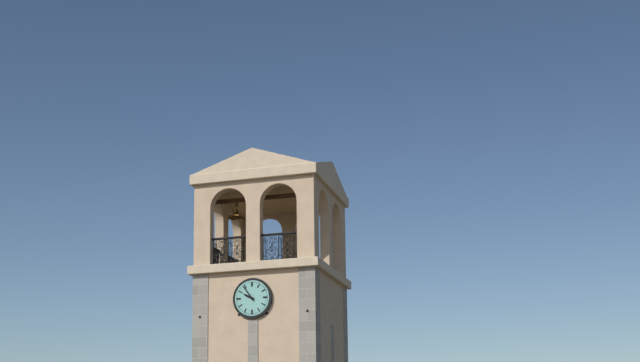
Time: h=9 m=54
